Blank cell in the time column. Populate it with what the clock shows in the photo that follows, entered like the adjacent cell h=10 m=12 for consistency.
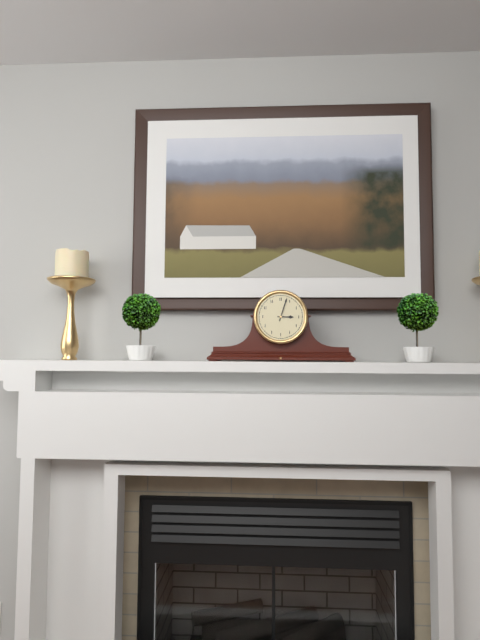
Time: h=3 m=3
